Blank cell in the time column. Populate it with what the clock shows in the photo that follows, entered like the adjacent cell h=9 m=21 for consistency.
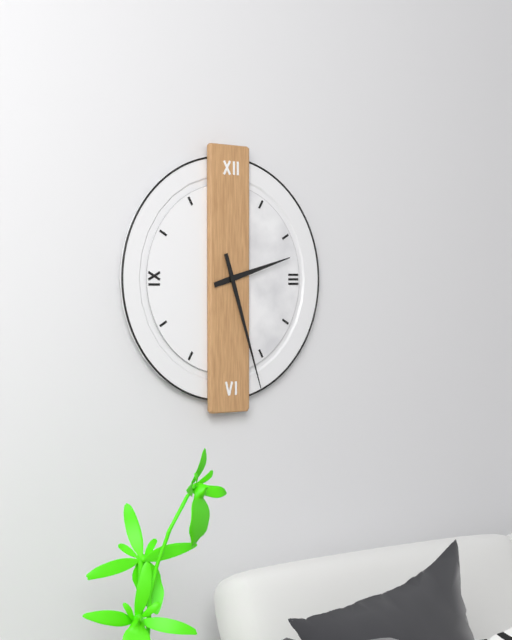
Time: h=2 m=27
